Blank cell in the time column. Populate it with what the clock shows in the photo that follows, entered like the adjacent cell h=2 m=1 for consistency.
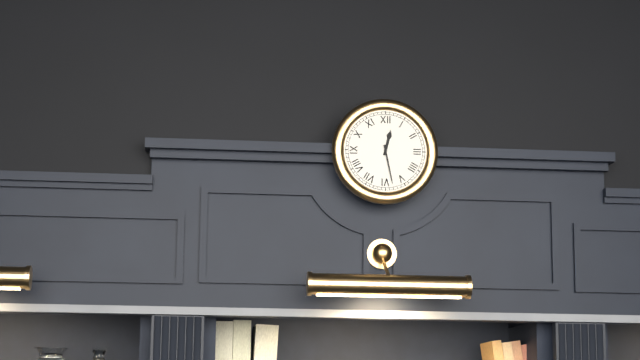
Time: h=12 m=28
